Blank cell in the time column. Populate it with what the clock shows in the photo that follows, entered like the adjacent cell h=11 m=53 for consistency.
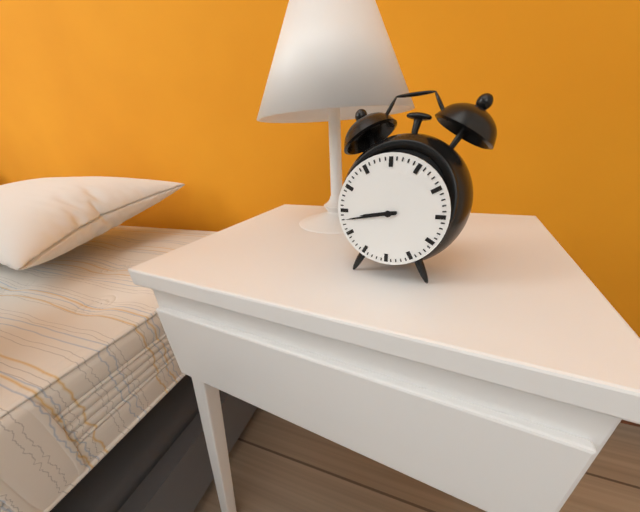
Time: h=8 m=43
